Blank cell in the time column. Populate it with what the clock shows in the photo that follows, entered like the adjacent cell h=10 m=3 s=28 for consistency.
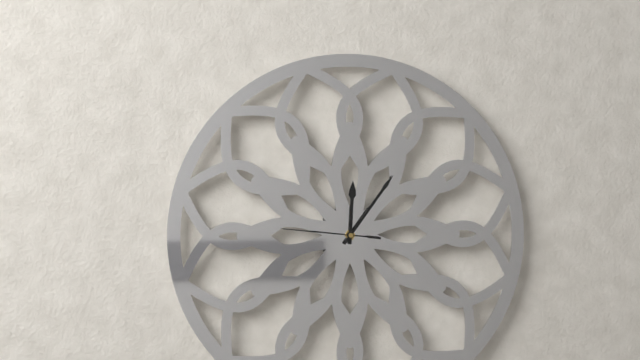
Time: h=12 m=6 s=46
